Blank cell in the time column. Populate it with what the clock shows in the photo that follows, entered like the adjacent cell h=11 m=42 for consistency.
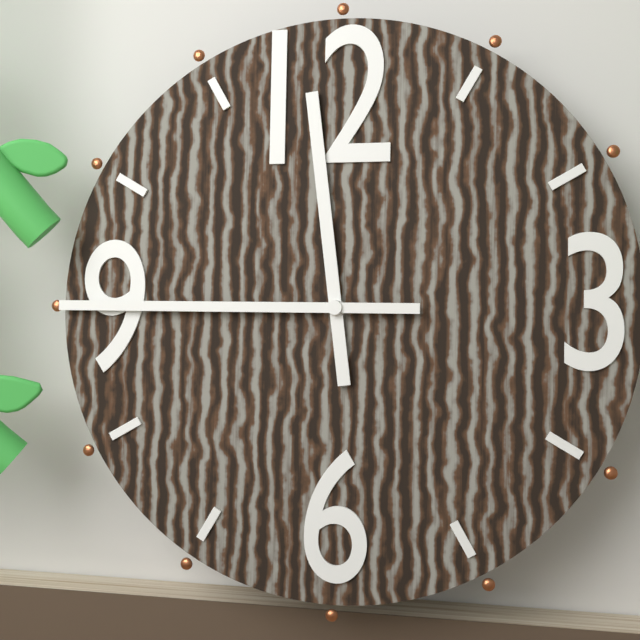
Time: h=11 m=45
